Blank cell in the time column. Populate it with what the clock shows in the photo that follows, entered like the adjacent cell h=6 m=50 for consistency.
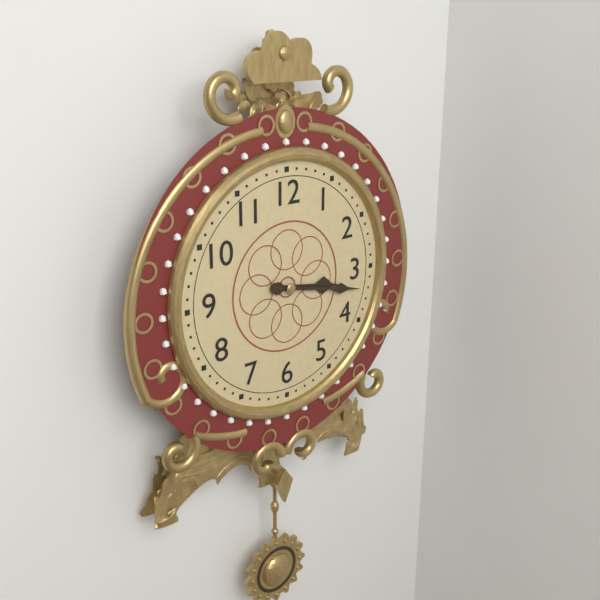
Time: h=3 m=17
